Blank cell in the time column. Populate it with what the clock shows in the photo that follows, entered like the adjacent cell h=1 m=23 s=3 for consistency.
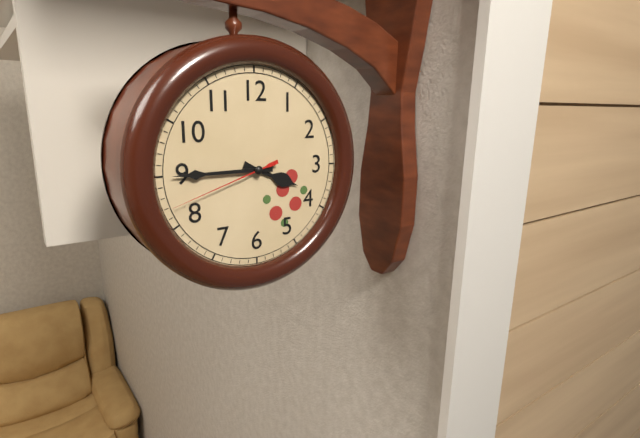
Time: h=3 m=45 s=42
